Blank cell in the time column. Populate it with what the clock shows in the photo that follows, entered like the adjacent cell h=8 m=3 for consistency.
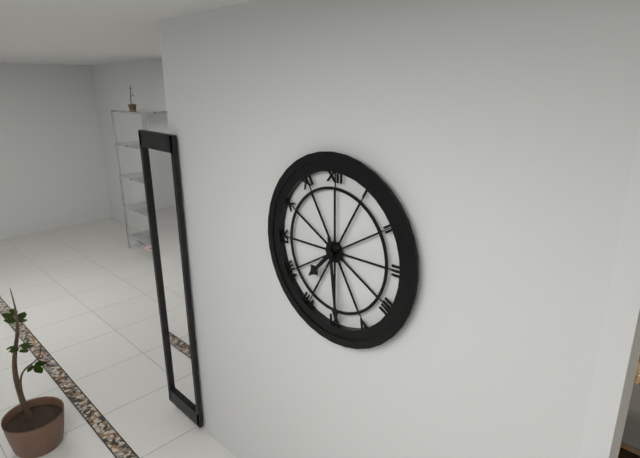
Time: h=7 m=29
